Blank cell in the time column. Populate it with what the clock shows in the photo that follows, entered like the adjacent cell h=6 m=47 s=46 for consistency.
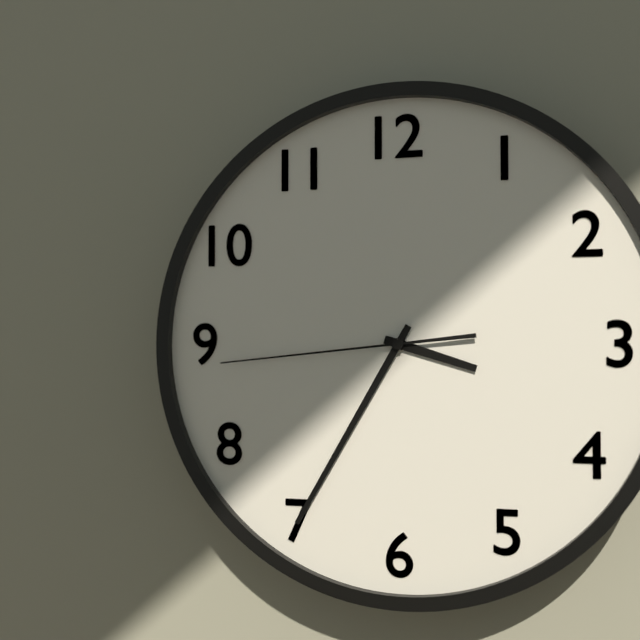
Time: h=3 m=35 s=44
